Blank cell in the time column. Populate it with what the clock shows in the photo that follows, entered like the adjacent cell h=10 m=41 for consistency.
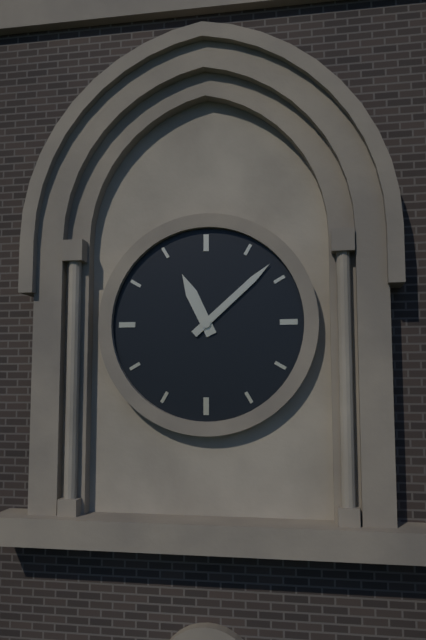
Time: h=11 m=8
